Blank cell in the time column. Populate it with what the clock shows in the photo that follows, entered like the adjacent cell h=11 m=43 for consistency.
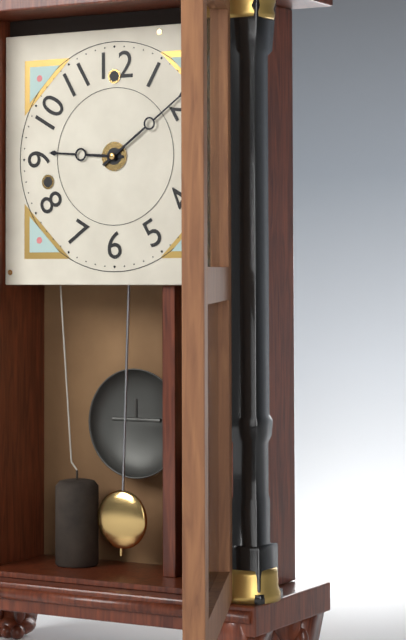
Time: h=9 m=9
